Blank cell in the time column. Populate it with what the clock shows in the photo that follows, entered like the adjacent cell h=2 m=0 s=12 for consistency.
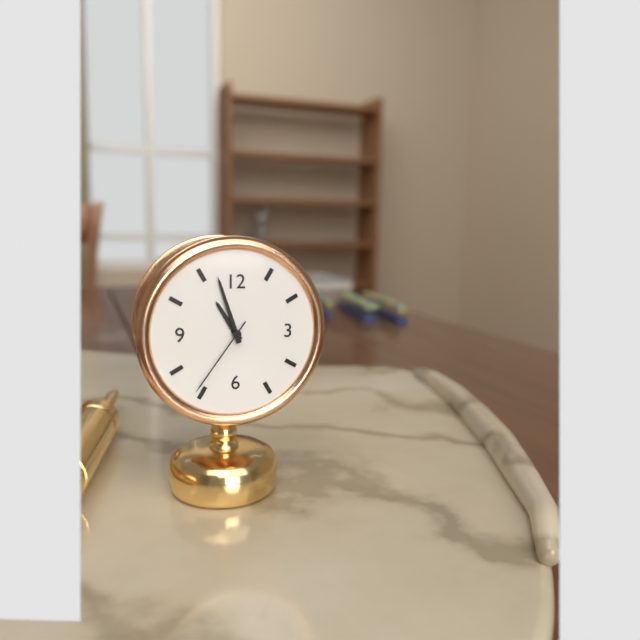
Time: h=10 m=57 s=36
